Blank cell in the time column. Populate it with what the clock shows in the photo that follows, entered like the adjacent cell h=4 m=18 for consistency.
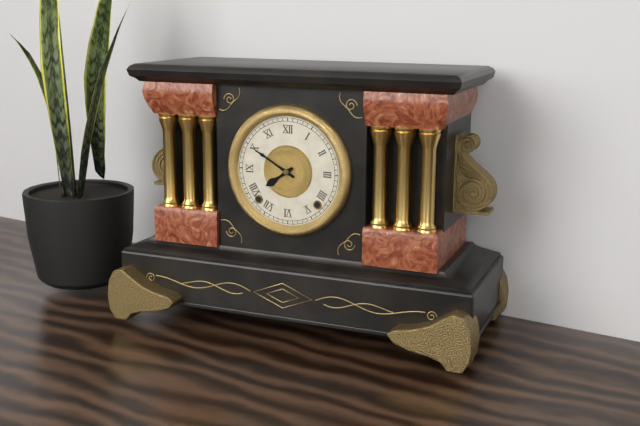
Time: h=7 m=50
